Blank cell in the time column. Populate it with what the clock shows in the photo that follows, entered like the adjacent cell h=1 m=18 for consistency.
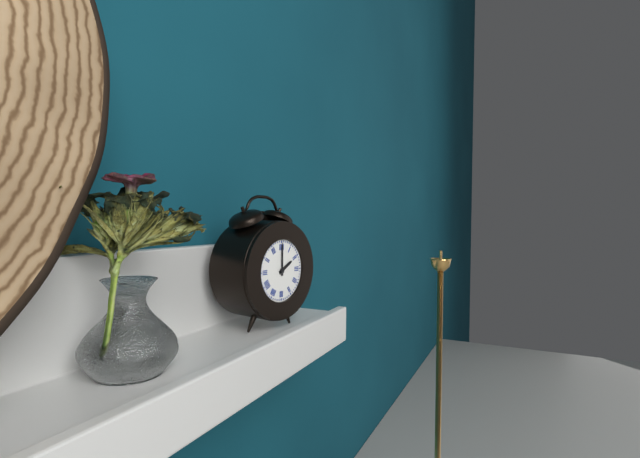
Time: h=2 m=0
